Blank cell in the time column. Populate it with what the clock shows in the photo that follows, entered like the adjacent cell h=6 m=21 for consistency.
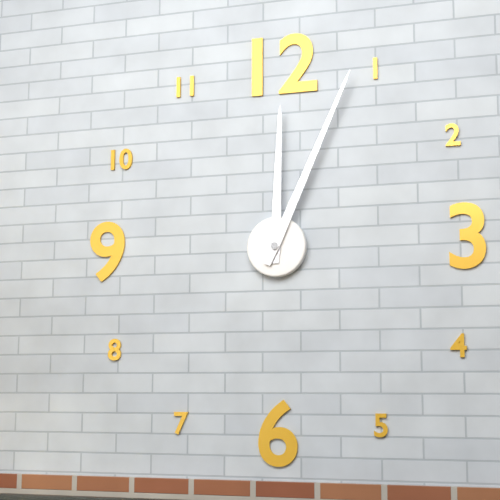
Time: h=12 m=4
